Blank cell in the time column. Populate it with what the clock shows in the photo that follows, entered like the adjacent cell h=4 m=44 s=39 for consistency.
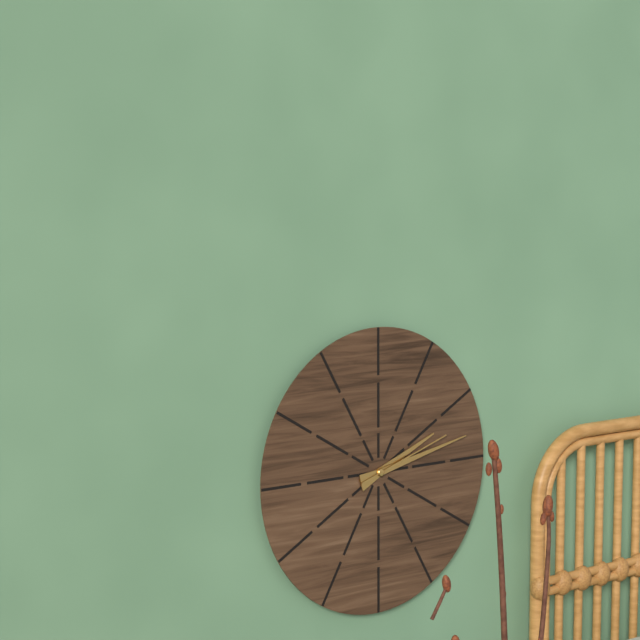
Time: h=2 m=13 s=12
